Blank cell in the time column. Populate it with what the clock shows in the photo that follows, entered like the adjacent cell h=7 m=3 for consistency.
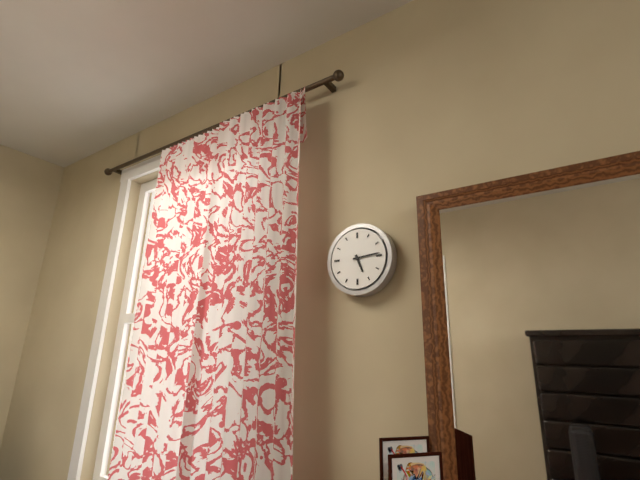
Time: h=5 m=14
